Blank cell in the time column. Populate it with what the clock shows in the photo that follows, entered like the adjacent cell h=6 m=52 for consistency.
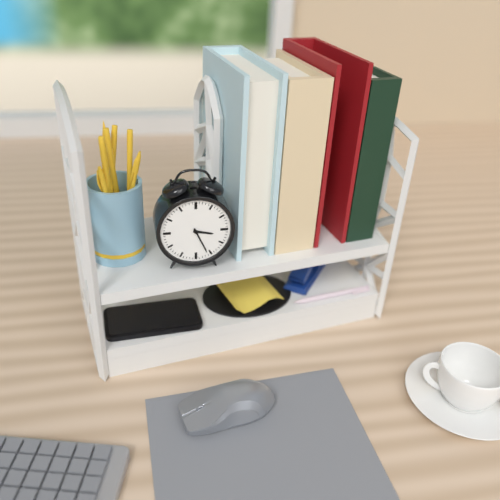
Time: h=3 m=26
